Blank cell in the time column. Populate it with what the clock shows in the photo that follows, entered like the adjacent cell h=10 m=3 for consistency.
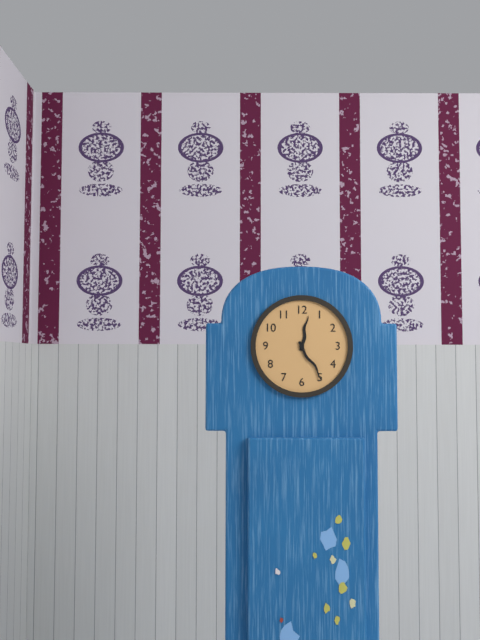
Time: h=12 m=25
